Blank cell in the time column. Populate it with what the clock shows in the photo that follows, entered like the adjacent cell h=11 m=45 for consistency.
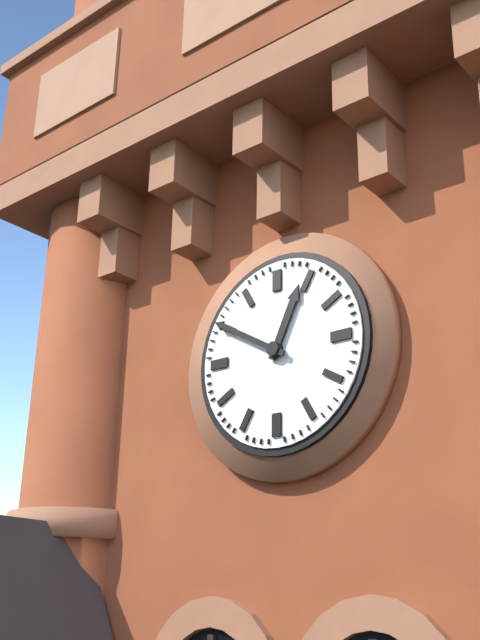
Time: h=12 m=50
